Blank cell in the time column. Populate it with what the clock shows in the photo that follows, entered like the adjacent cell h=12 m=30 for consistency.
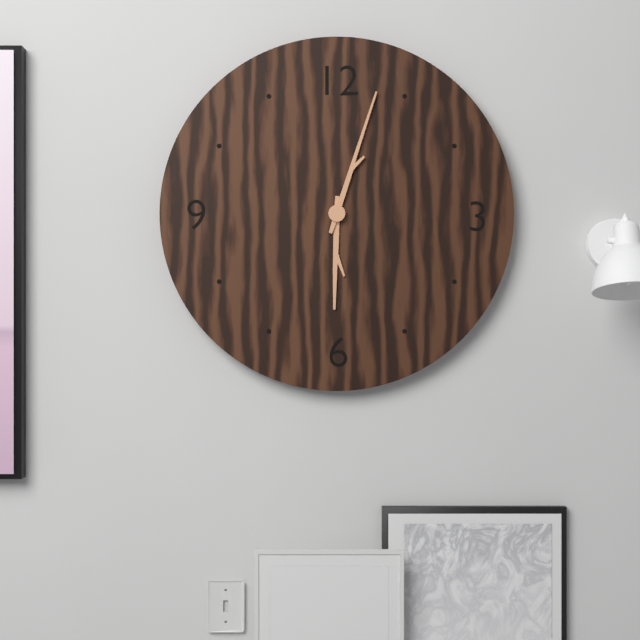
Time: h=6 m=3
